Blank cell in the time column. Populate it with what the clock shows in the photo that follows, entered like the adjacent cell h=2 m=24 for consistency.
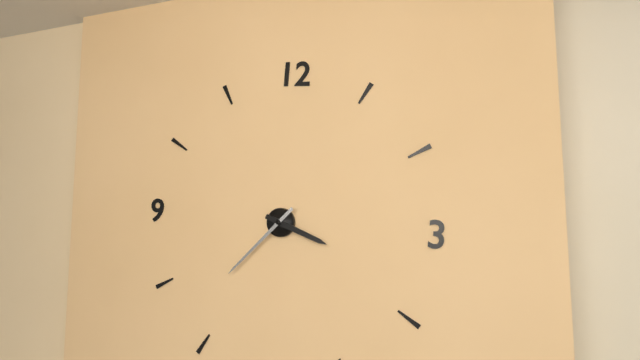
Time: h=3 m=37
